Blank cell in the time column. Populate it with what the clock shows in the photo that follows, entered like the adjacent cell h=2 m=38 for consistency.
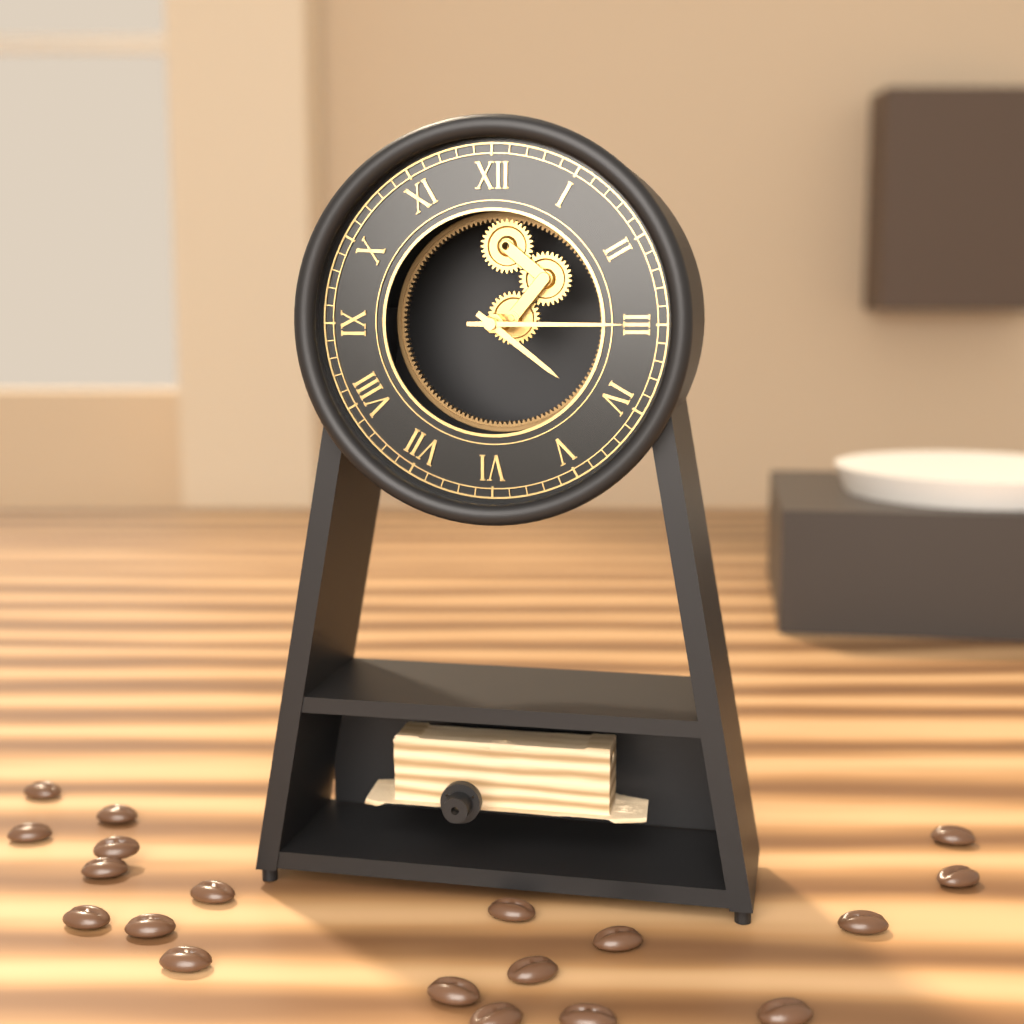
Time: h=4 m=15
